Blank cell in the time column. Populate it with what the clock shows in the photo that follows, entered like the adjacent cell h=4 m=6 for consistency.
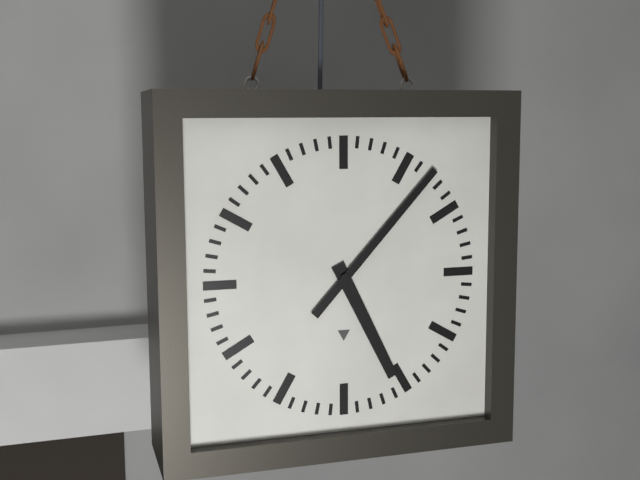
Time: h=5 m=7
